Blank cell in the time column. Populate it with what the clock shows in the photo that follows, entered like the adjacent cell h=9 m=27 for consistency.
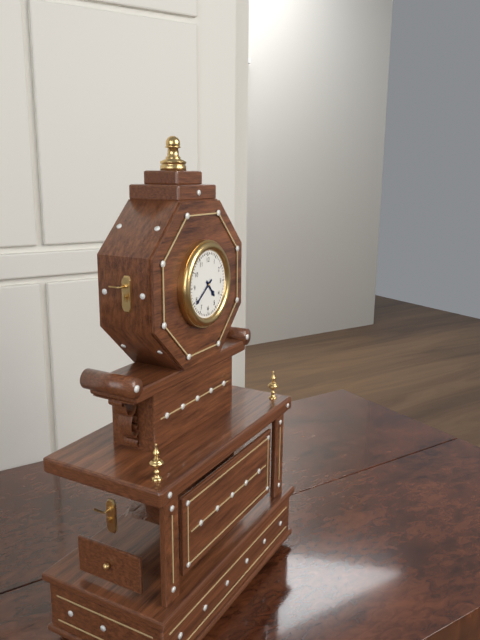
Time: h=4 m=39
